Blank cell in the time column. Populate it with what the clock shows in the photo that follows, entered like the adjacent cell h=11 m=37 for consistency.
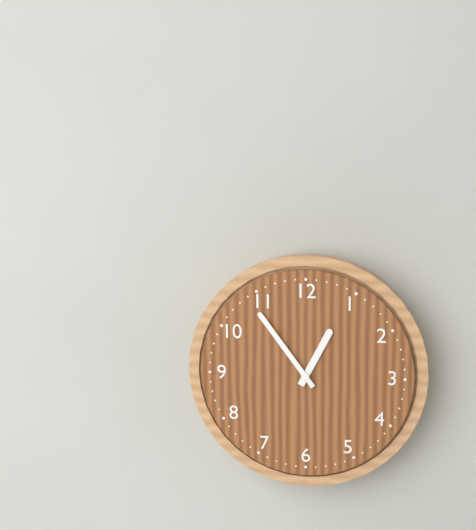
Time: h=12 m=54
